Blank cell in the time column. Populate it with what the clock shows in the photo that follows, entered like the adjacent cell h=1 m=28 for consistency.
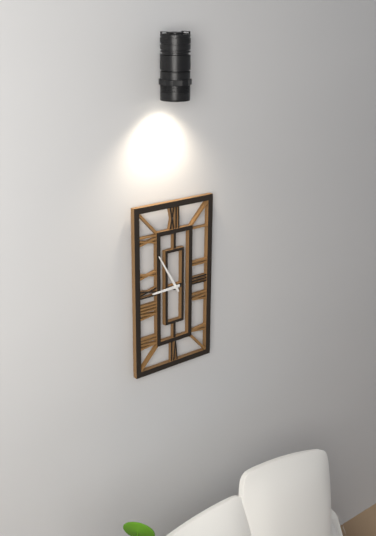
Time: h=8 m=55
